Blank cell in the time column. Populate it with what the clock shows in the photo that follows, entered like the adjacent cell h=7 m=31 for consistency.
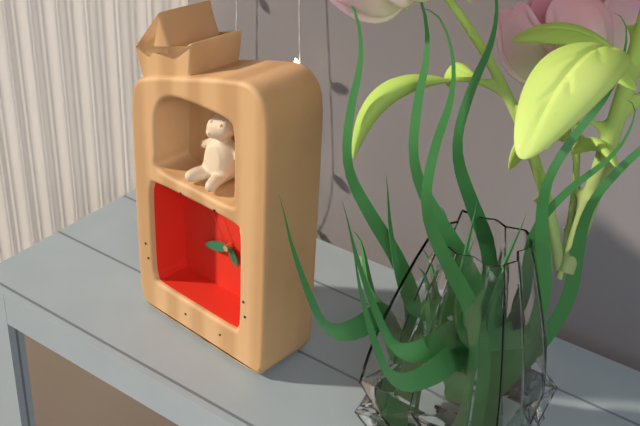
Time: h=4 m=42
